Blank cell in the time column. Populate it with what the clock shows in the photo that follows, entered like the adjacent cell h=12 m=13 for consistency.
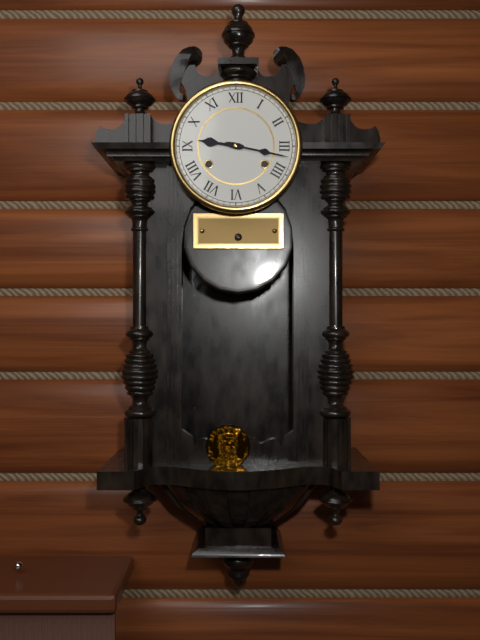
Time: h=9 m=17
